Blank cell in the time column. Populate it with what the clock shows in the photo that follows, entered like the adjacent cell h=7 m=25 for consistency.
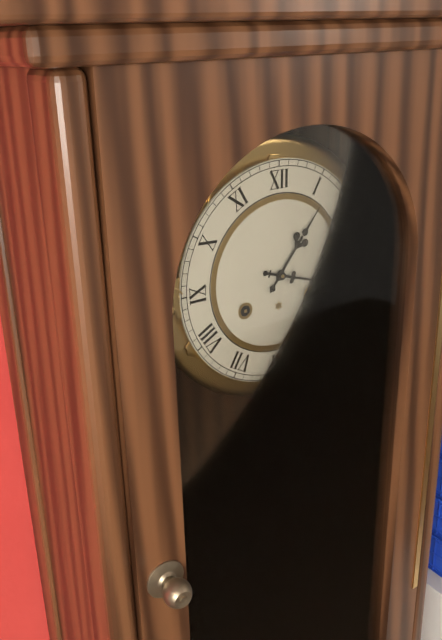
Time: h=1 m=18
